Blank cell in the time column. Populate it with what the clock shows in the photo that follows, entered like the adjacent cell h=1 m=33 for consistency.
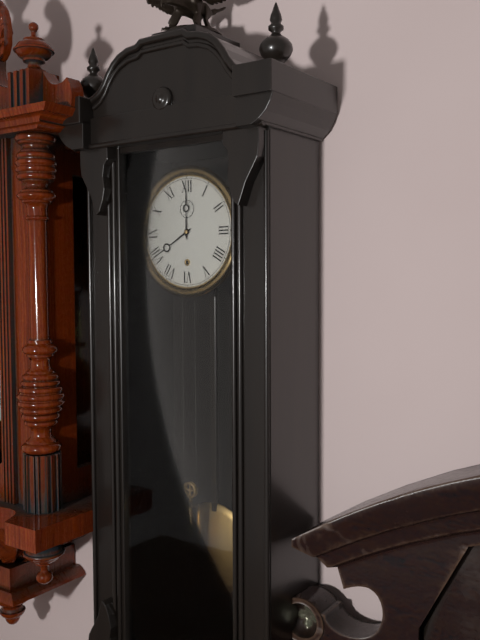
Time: h=8 m=0
